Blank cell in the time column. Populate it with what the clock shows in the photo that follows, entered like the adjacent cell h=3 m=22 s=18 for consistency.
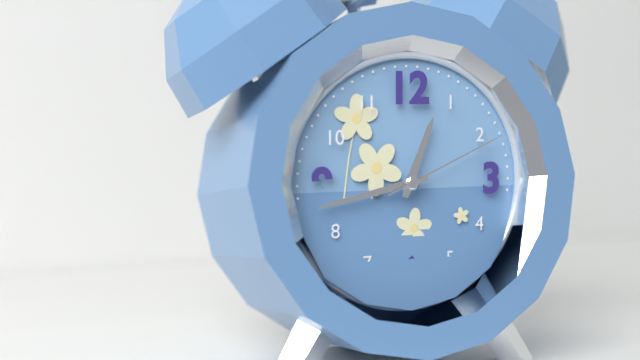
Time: h=12 m=43 s=11
